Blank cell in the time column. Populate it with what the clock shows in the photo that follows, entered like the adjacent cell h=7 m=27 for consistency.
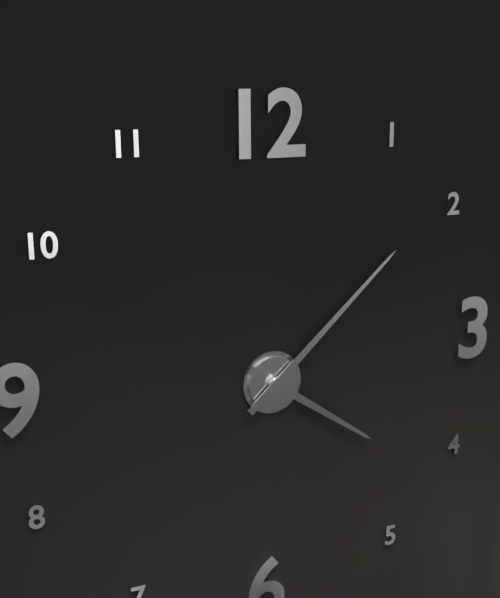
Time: h=4 m=8
